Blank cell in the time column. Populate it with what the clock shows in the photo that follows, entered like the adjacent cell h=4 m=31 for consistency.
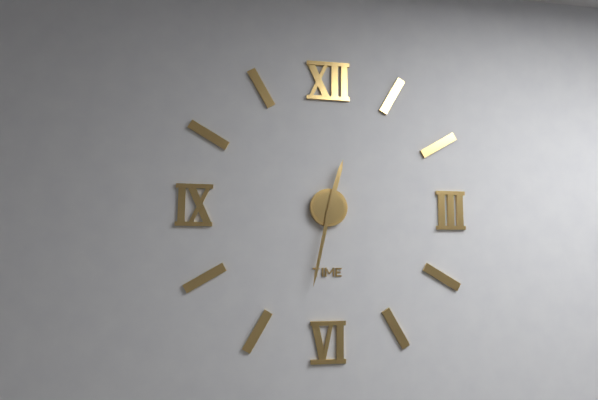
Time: h=12 m=32
